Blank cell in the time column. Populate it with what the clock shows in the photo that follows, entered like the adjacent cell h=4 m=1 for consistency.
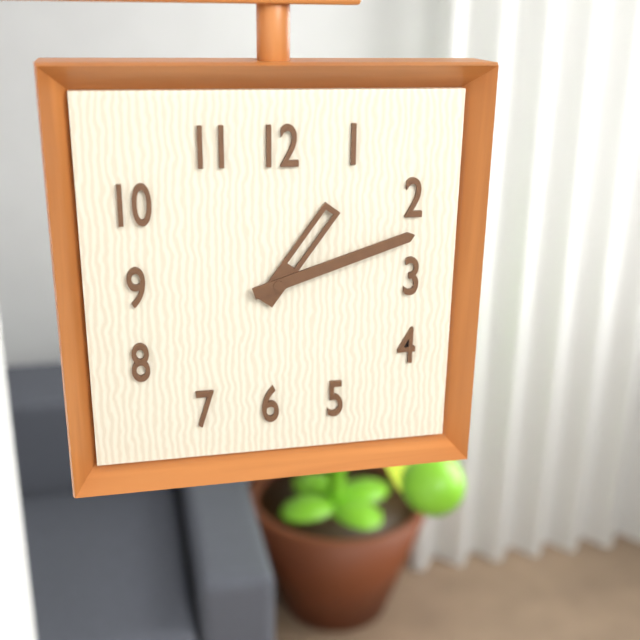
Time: h=1 m=12
